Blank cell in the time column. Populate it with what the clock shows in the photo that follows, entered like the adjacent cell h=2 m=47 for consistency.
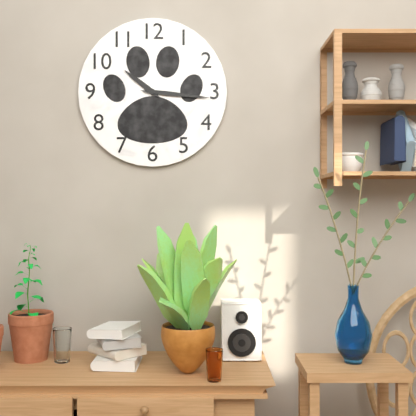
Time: h=10 m=16
